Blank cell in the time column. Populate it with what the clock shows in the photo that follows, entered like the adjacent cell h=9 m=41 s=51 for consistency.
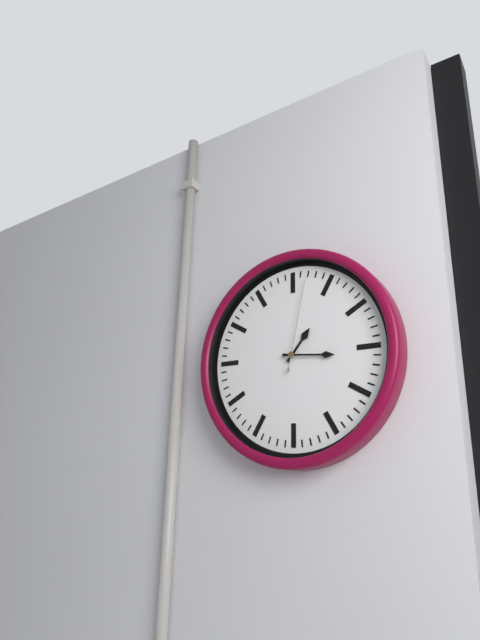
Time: h=1 m=16 s=2
